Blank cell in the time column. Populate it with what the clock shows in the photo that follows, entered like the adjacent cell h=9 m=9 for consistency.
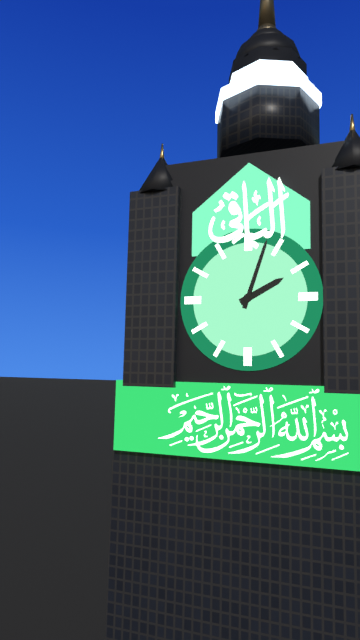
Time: h=2 m=3
